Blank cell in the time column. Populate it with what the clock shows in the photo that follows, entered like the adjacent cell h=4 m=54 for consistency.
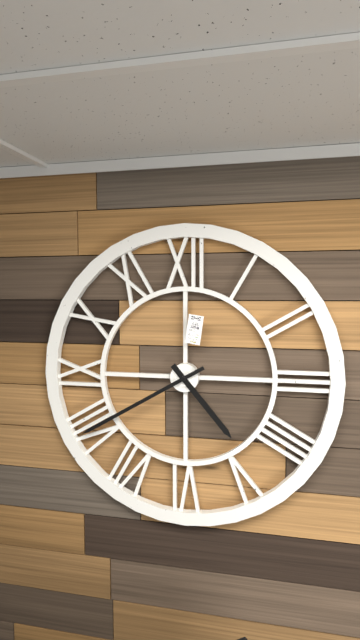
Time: h=4 m=40
